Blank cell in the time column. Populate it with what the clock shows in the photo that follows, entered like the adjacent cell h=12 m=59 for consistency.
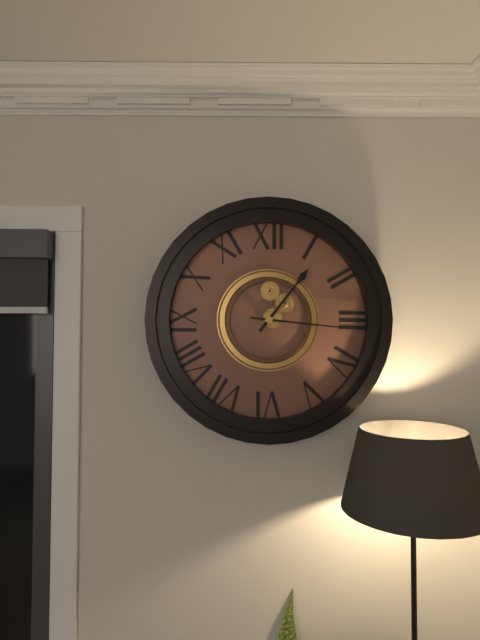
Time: h=1 m=16
